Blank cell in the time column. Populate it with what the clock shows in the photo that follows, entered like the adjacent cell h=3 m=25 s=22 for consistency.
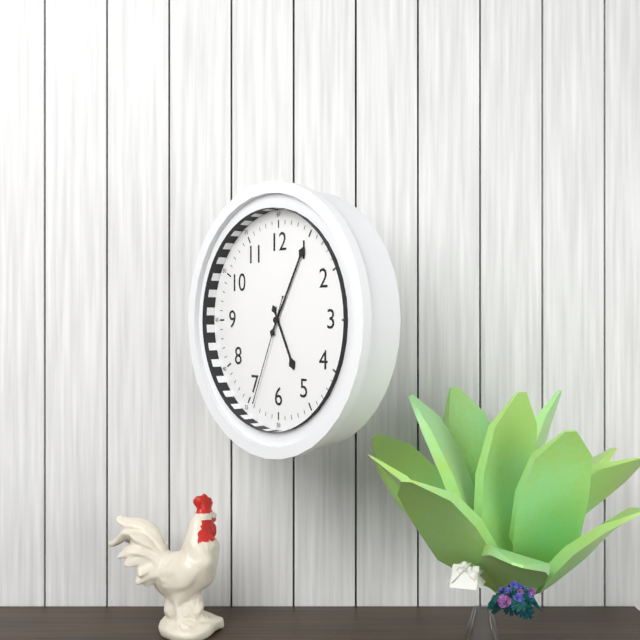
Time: h=5 m=5 s=34
